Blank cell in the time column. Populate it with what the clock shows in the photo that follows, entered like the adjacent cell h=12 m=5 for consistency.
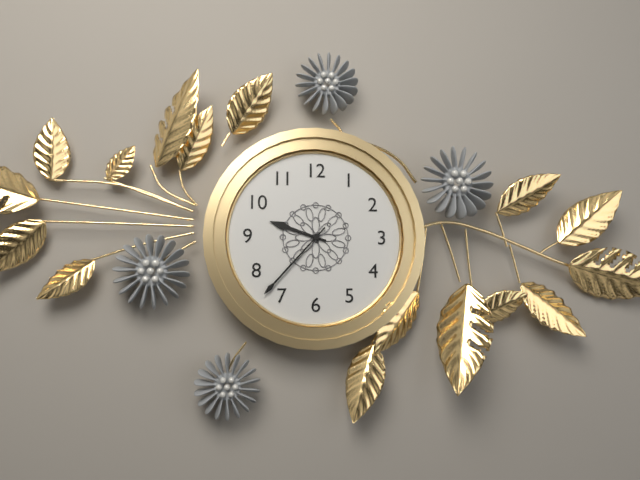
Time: h=9 m=37
